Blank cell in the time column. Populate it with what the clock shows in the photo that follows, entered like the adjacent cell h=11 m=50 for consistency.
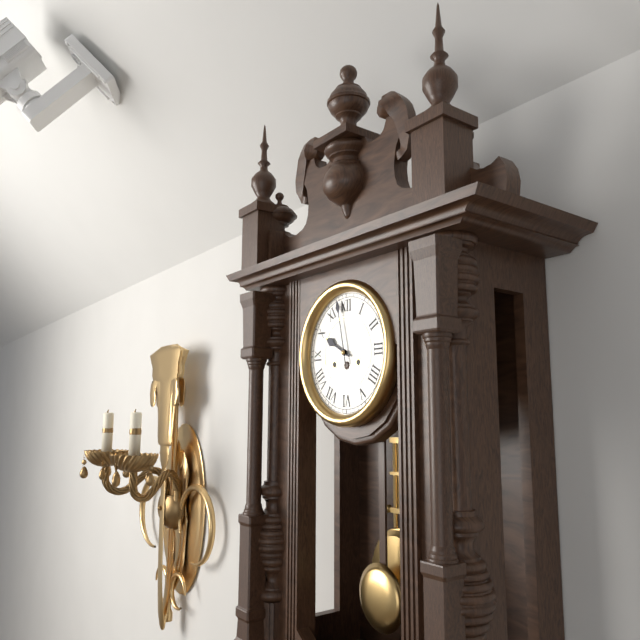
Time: h=9 m=58
